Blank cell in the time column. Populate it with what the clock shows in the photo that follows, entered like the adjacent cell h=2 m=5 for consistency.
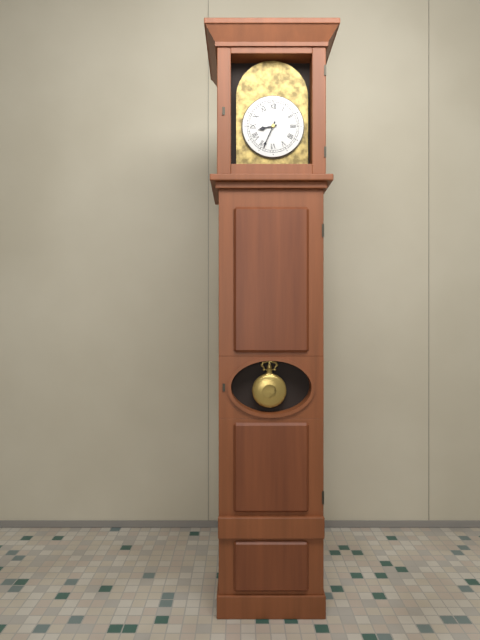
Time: h=8 m=34
